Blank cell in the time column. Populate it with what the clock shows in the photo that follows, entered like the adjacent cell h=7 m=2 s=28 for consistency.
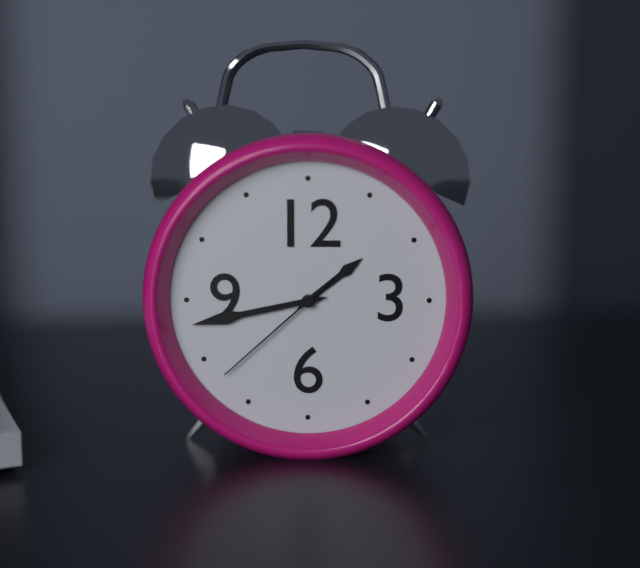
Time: h=1 m=43 s=38
